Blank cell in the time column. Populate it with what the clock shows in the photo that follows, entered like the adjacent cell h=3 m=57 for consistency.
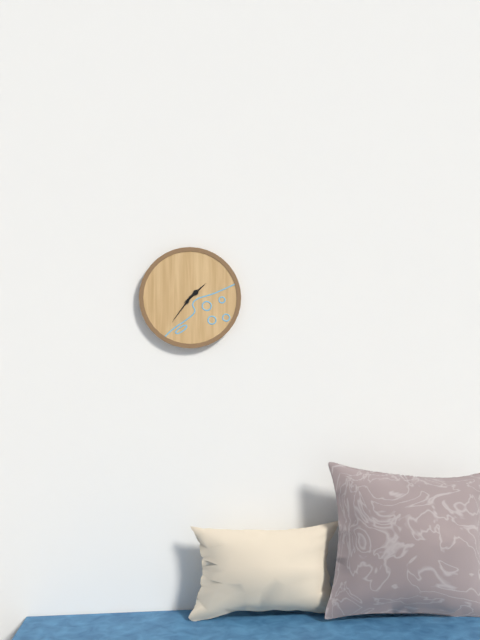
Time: h=1 m=36
